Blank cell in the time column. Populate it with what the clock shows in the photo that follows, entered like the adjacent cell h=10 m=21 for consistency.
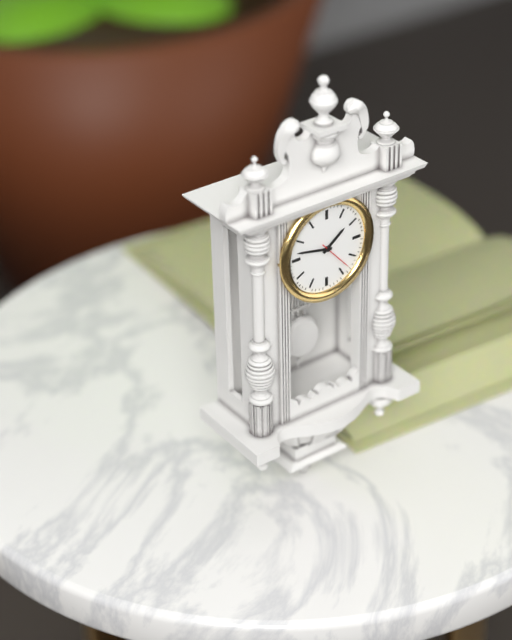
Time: h=1 m=47
